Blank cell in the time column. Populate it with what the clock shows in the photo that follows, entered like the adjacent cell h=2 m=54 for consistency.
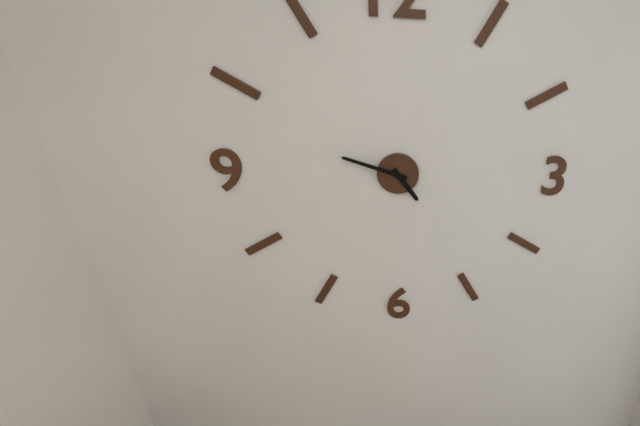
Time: h=4 m=48
